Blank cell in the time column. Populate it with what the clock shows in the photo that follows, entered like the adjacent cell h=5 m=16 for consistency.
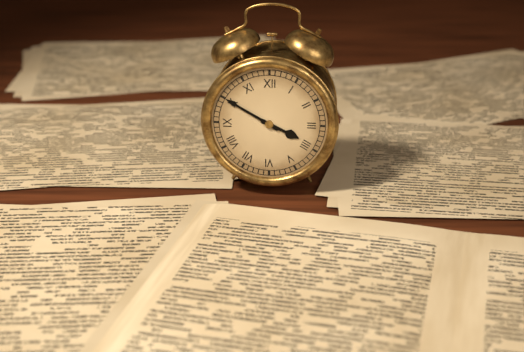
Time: h=3 m=50
